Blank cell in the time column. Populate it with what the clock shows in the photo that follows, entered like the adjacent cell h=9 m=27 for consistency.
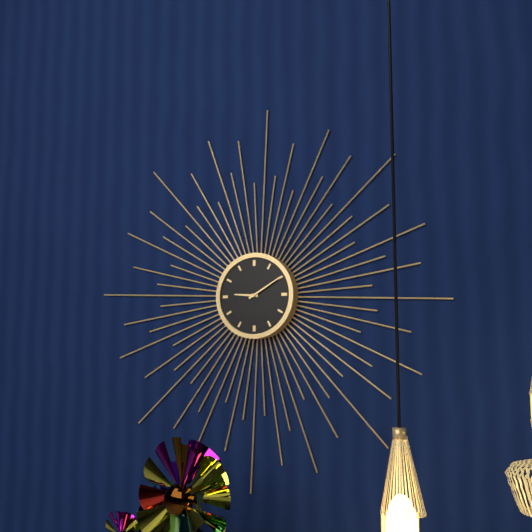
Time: h=9 m=10
